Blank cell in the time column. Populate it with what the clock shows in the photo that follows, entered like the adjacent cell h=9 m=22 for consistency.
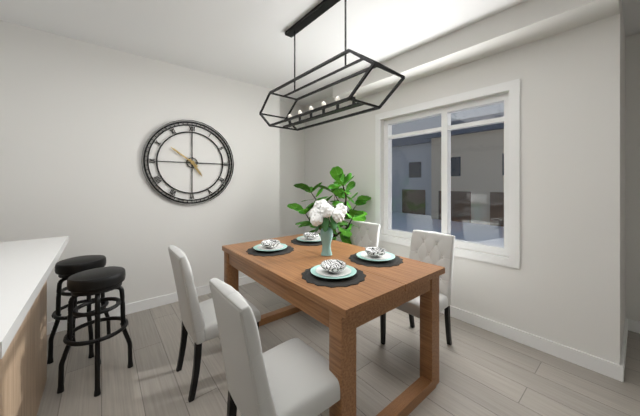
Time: h=4 m=51
